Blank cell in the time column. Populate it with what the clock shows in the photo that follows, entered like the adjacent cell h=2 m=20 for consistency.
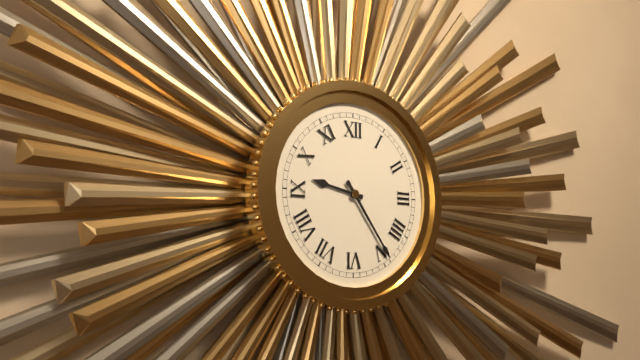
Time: h=9 m=24
